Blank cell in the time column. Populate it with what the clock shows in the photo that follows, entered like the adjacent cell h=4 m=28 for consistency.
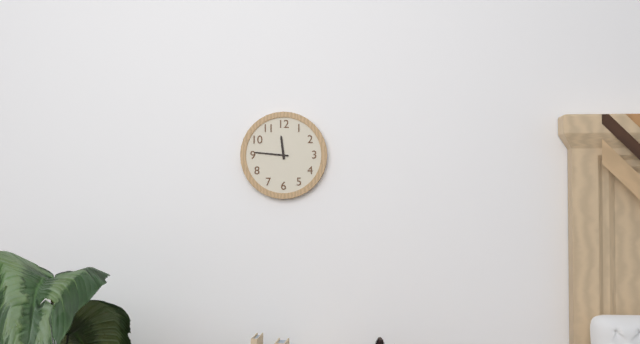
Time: h=11 m=46
